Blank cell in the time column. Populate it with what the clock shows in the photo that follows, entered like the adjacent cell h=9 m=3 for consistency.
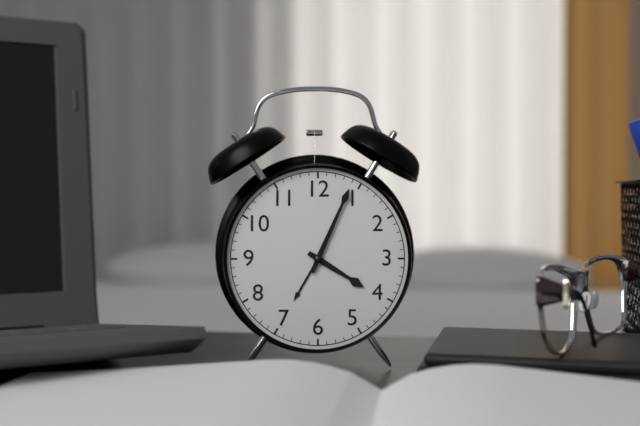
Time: h=4 m=4
